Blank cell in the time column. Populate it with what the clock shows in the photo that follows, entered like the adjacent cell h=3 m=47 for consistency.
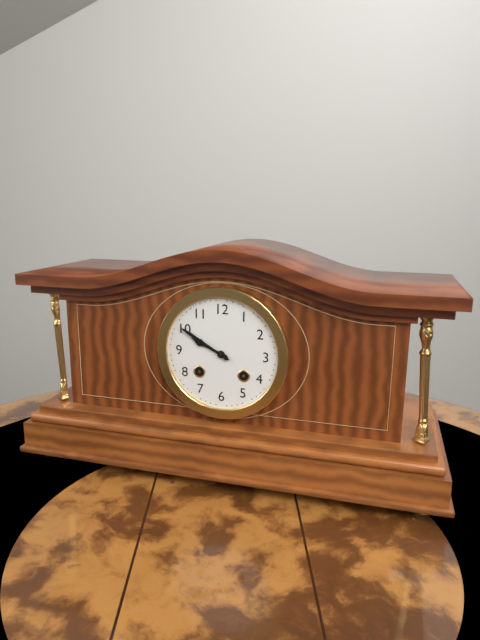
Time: h=9 m=50
